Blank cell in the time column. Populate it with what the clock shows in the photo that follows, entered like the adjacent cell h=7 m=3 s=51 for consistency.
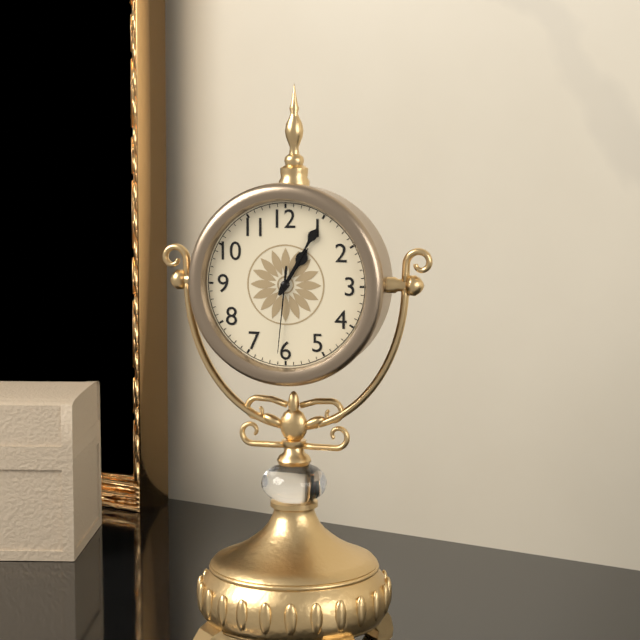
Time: h=1 m=5 s=31
